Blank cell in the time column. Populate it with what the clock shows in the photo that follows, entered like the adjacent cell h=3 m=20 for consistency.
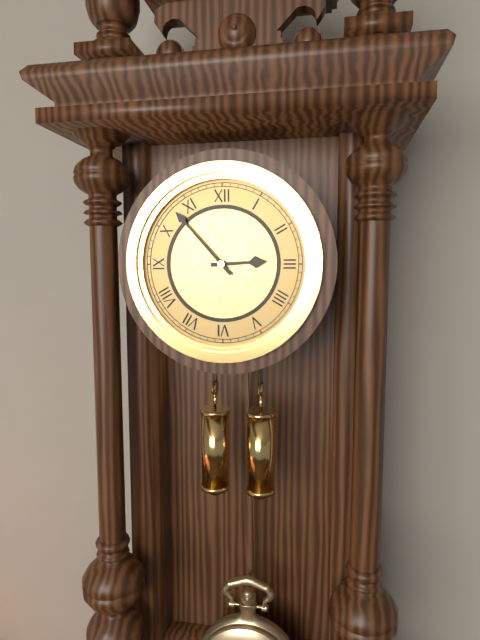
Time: h=2 m=53
